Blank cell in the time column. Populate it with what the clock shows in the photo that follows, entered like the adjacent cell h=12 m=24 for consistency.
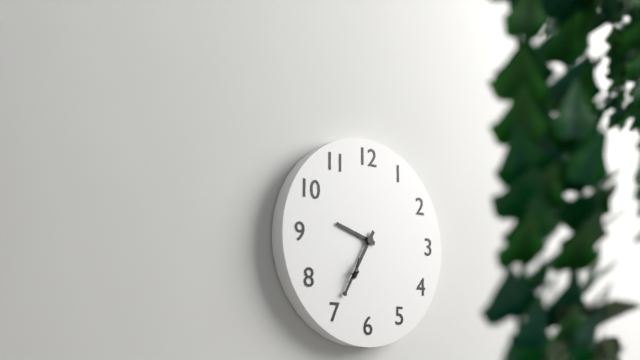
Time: h=9 m=35
